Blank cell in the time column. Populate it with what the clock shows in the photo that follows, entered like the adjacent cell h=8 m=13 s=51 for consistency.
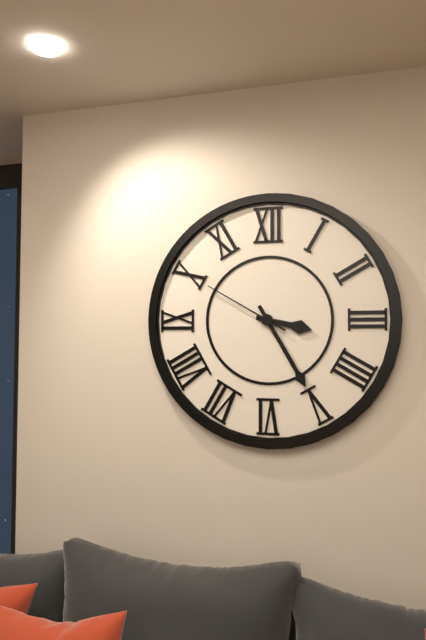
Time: h=3 m=25 s=50
